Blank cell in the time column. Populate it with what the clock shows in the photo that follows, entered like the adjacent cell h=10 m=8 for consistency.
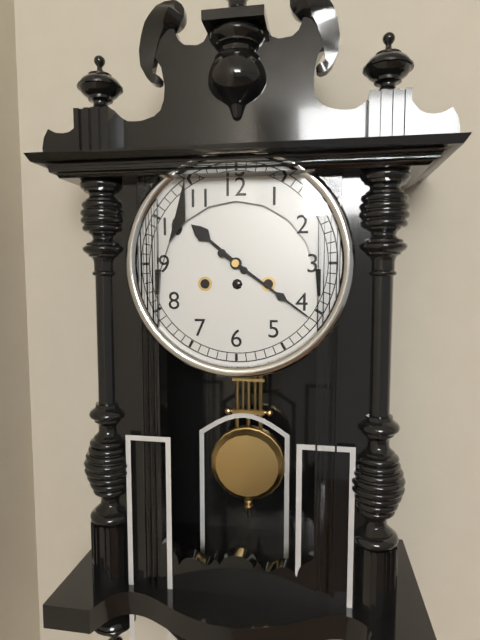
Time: h=10 m=21
